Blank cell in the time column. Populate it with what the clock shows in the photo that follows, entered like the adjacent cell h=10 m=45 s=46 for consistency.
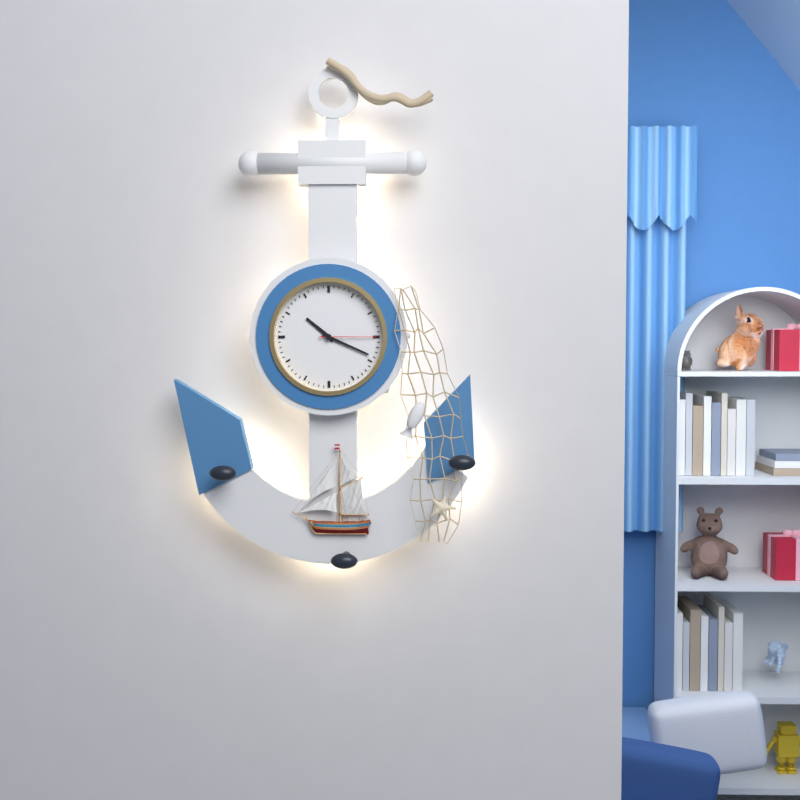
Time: h=10 m=19 s=15
